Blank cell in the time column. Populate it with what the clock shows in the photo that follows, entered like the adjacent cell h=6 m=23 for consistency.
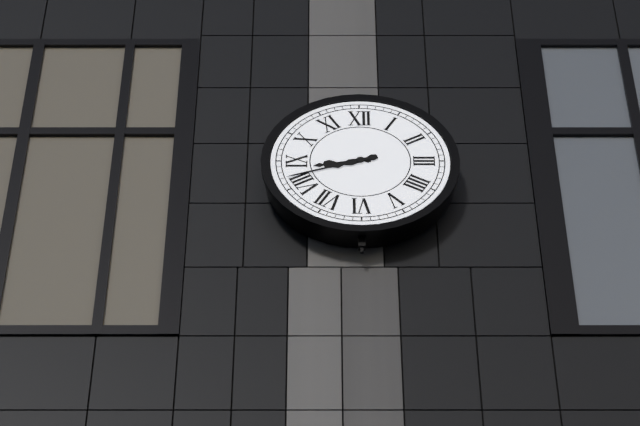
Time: h=8 m=42
